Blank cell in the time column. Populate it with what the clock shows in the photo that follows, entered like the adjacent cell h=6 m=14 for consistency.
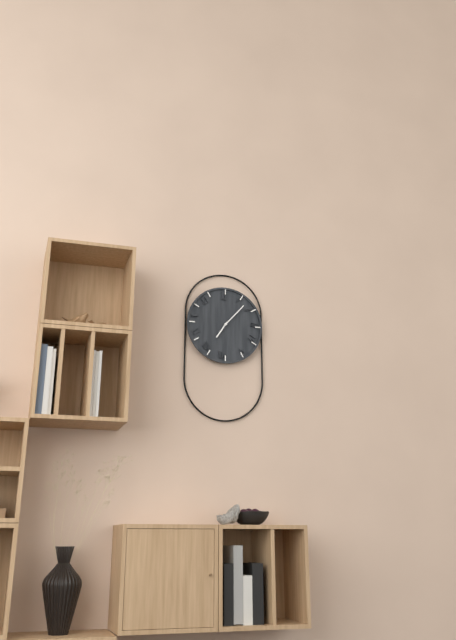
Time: h=7 m=7
